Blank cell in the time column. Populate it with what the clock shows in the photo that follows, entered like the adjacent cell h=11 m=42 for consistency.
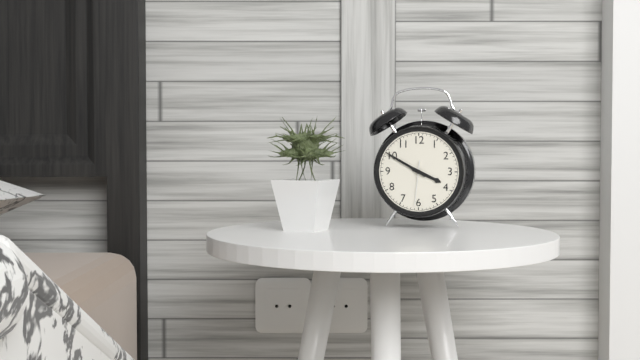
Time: h=3 m=50
